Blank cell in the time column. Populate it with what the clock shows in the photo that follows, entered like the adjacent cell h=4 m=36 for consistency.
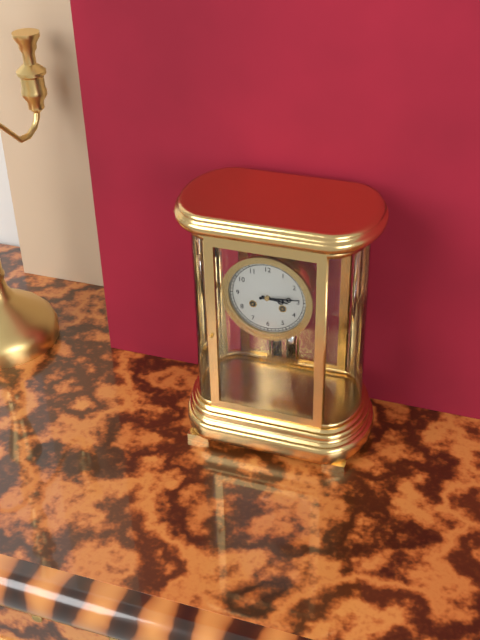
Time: h=3 m=14
